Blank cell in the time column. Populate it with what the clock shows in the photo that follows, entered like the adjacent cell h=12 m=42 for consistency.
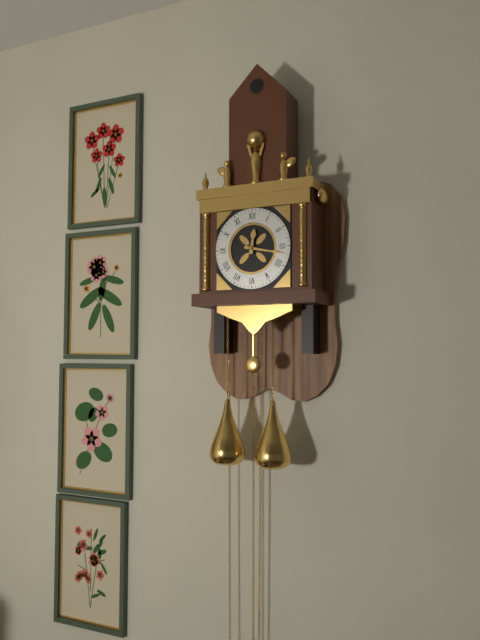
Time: h=12 m=17
